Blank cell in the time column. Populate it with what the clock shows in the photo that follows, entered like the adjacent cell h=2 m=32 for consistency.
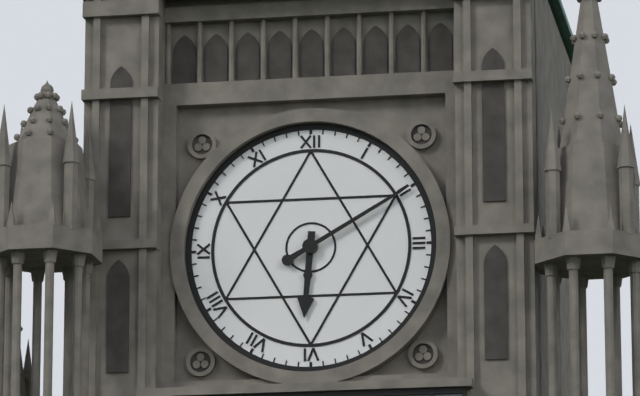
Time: h=6 m=10
